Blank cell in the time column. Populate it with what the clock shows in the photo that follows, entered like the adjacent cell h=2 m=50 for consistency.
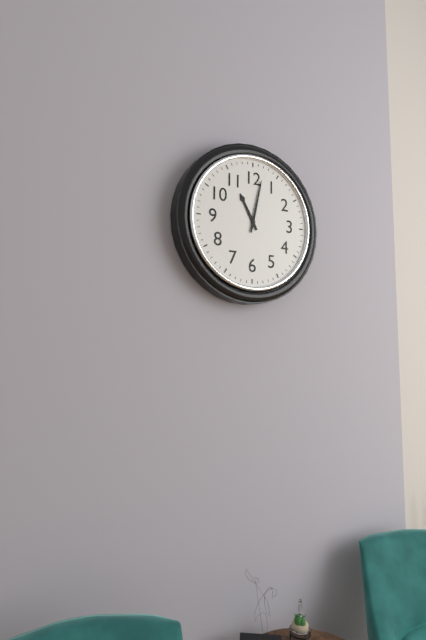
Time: h=11 m=2
